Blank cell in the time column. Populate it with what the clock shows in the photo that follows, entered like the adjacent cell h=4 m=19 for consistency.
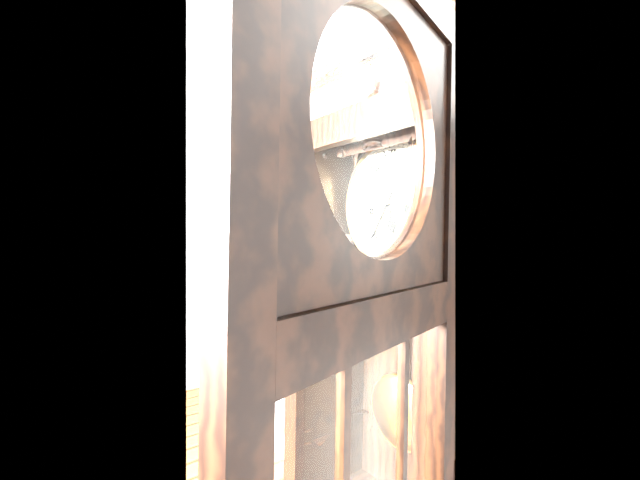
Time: h=5 m=35
